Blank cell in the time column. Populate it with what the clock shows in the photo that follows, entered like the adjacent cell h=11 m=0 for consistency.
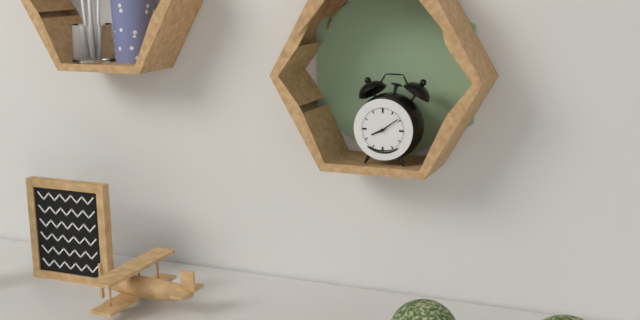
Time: h=8 m=9
